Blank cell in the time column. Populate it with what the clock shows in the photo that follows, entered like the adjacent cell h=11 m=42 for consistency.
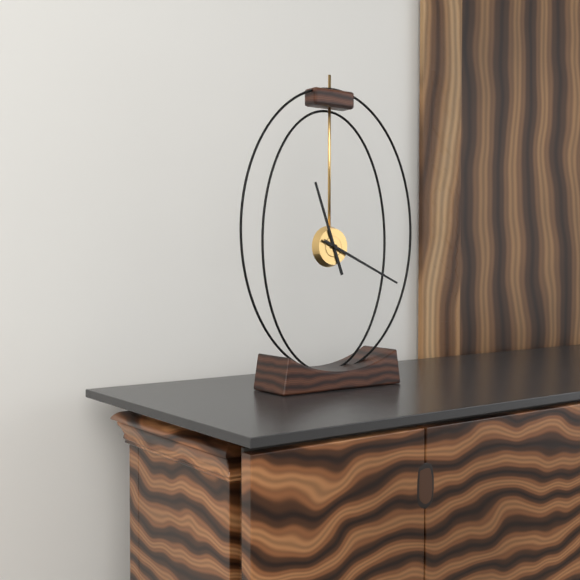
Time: h=11 m=19
